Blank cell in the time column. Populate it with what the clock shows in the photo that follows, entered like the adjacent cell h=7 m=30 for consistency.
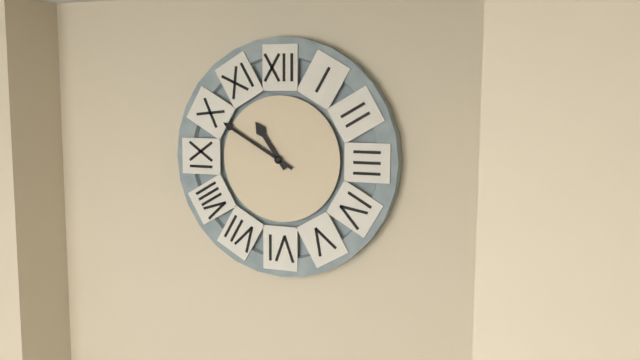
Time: h=10 m=50
